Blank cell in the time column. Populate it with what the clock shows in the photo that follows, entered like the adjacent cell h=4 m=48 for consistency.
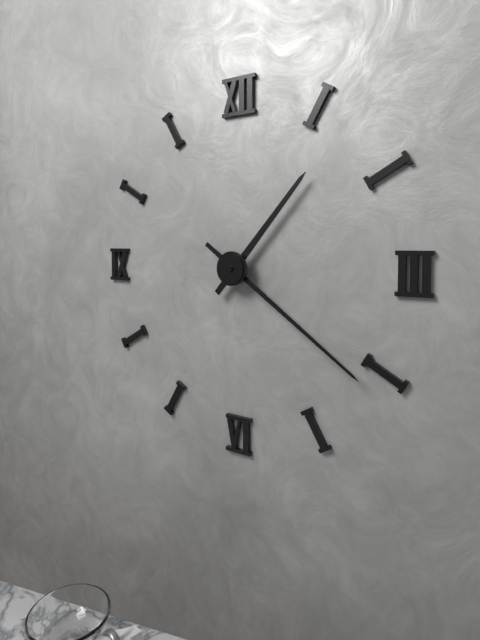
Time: h=1 m=21
